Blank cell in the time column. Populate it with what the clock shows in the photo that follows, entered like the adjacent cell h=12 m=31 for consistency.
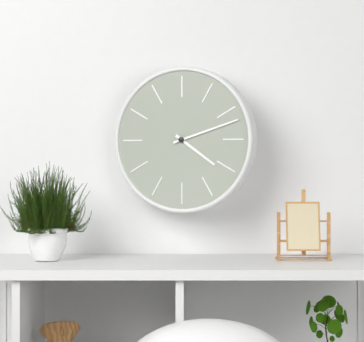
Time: h=4 m=12
